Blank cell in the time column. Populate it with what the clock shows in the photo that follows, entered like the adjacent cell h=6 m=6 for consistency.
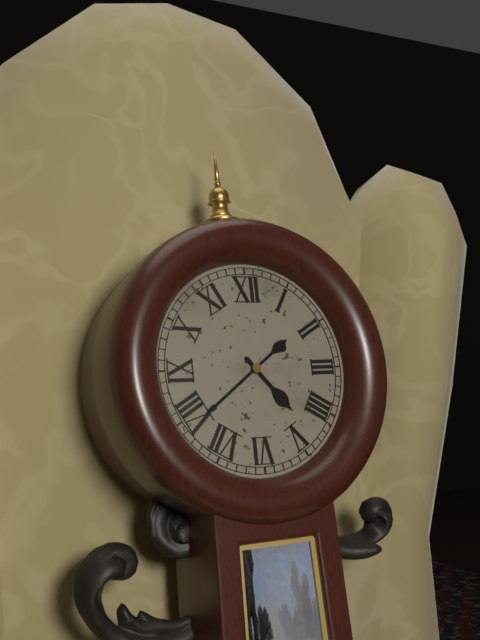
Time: h=4 m=39
